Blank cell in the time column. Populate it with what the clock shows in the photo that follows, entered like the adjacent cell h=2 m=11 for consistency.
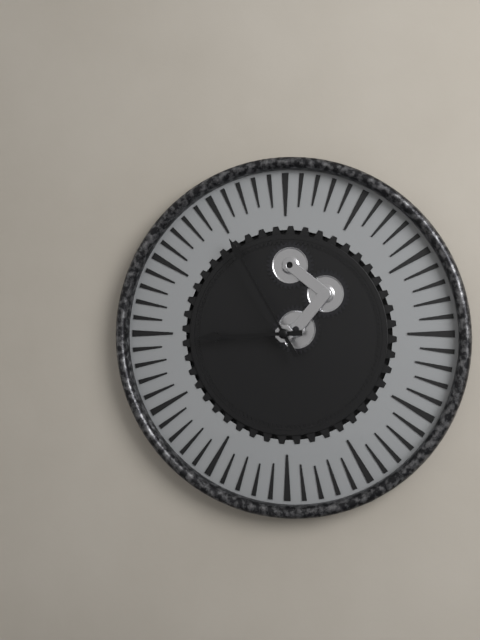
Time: h=8 m=55
